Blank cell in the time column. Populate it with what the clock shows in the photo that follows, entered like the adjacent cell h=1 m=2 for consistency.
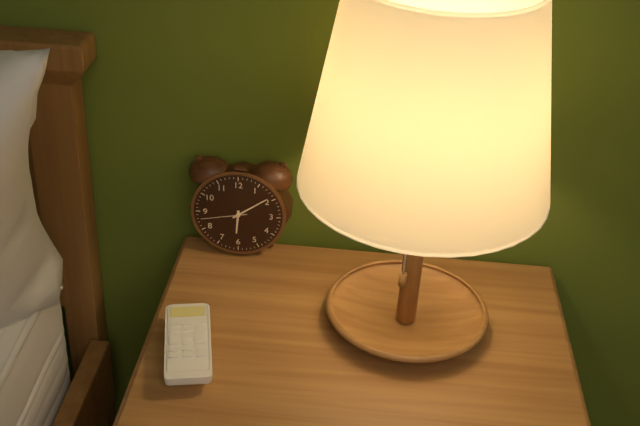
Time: h=6 m=9
